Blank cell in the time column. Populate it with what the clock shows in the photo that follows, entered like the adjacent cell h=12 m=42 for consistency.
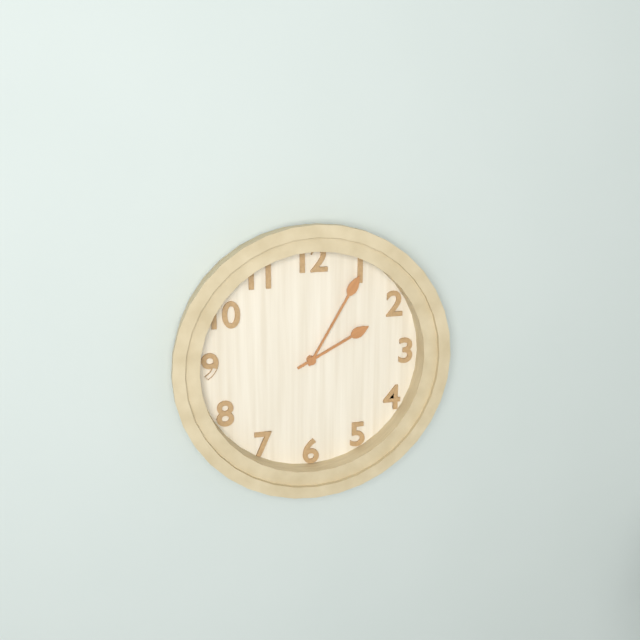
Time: h=2 m=5
